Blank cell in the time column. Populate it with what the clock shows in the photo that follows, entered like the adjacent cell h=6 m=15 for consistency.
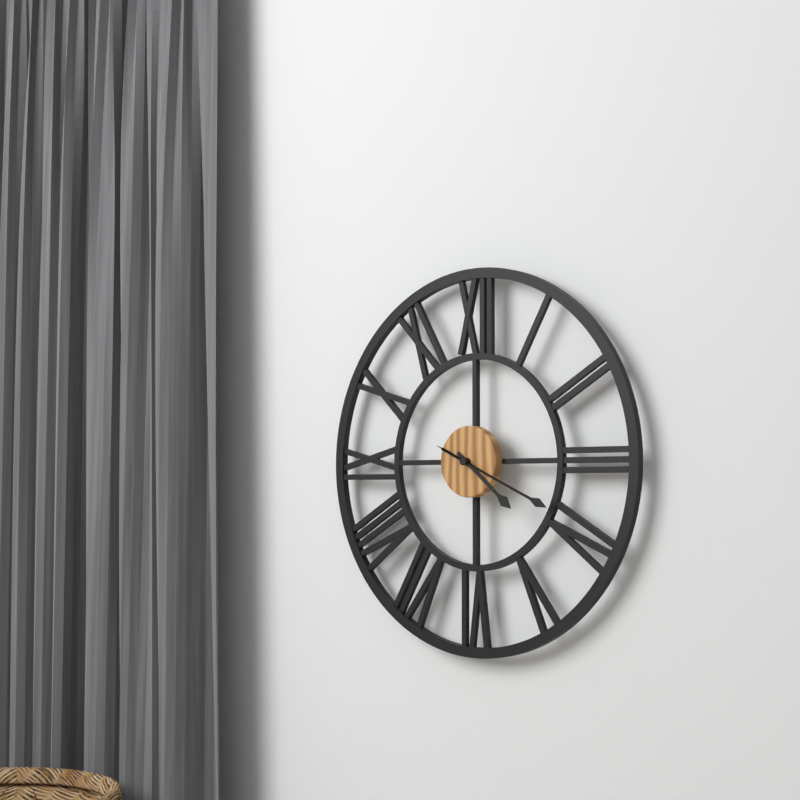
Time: h=4 m=19
